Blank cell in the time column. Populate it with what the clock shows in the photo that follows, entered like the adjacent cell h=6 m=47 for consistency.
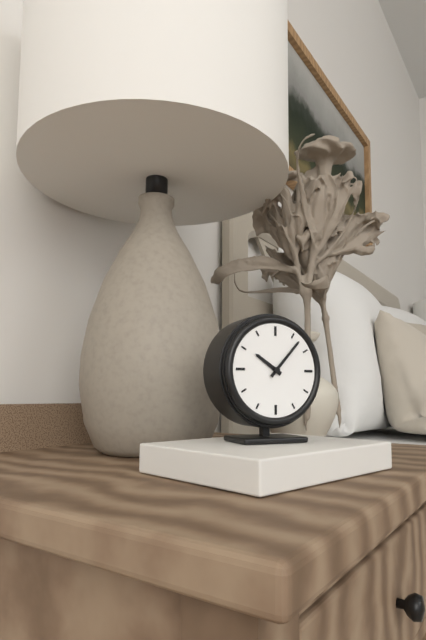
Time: h=10 m=7
